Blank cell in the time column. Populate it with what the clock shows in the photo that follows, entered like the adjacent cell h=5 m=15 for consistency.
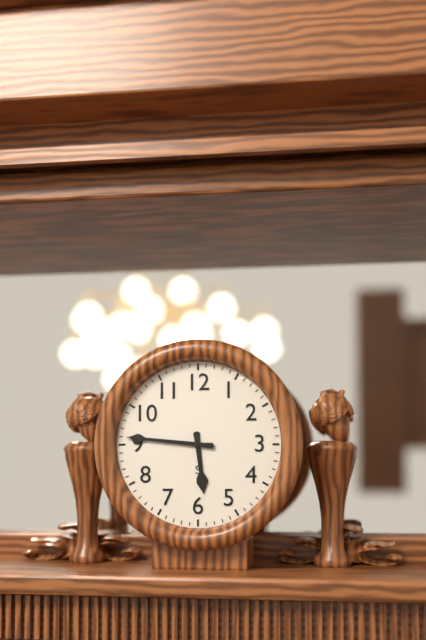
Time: h=5 m=46
